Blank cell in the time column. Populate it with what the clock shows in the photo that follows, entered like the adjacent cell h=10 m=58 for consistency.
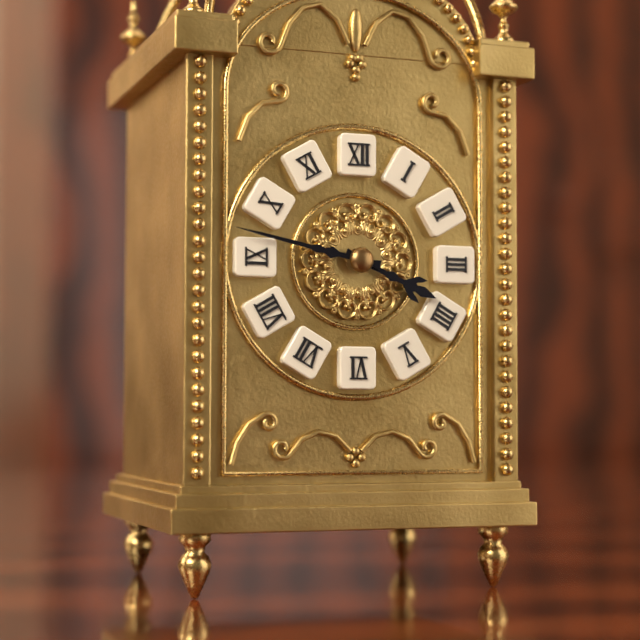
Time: h=3 m=47
